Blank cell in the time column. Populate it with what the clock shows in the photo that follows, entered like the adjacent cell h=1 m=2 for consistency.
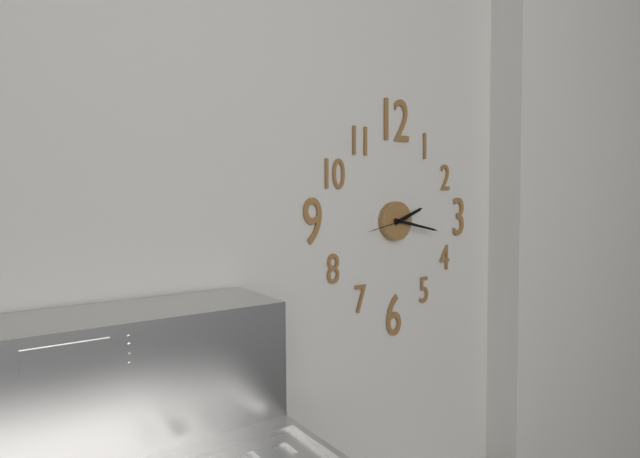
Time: h=2 m=17
